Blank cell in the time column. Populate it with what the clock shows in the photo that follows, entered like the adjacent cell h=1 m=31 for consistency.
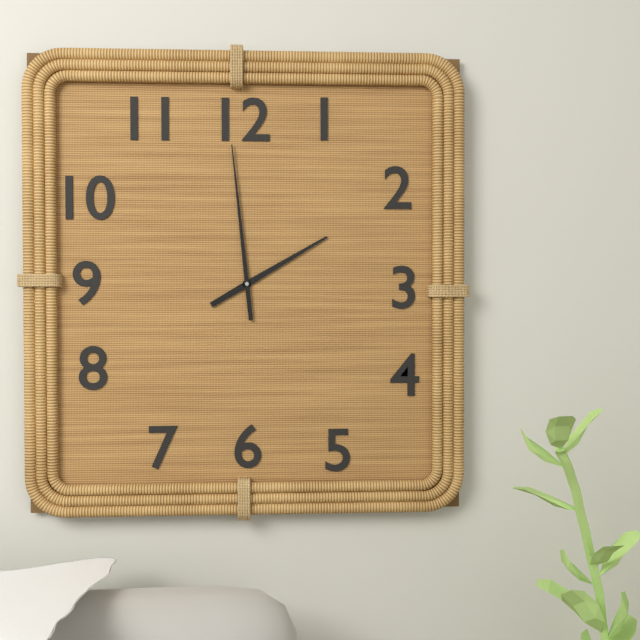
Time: h=1 m=59
